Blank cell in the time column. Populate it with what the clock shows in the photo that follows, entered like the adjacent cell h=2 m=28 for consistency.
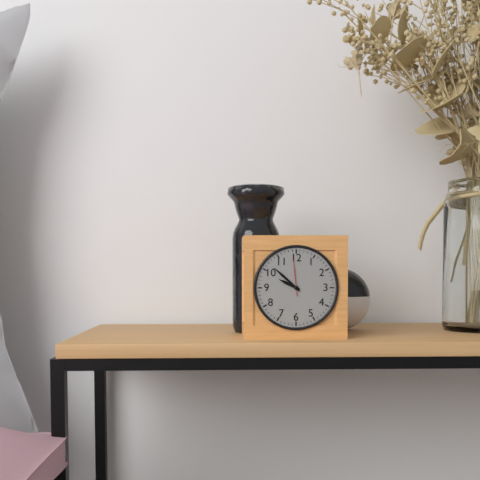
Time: h=9 m=52
